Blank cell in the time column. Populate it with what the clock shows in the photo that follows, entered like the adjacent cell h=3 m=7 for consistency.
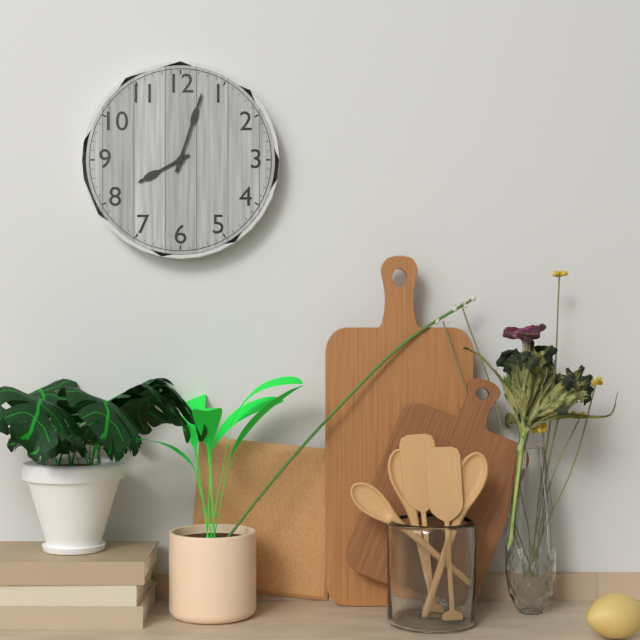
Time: h=8 m=3
